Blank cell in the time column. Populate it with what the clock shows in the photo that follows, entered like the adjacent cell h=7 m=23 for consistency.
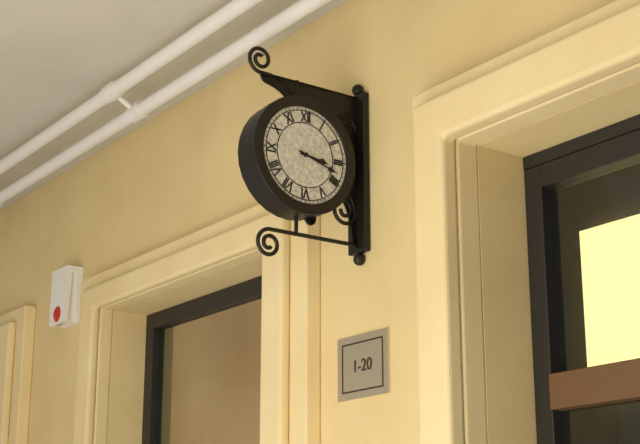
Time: h=3 m=18
